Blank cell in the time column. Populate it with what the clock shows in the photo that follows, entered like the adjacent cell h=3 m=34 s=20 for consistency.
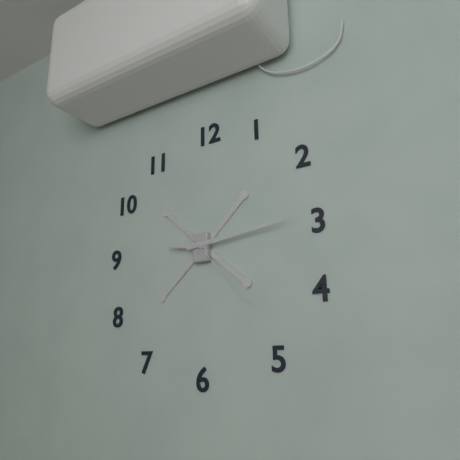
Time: h=9 m=14 s=23
